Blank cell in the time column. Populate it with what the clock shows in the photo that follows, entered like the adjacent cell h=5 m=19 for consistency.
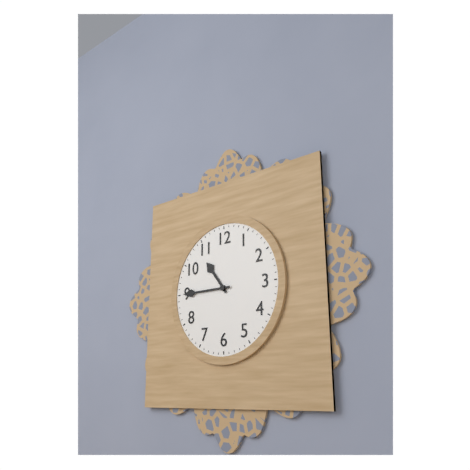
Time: h=10 m=45
